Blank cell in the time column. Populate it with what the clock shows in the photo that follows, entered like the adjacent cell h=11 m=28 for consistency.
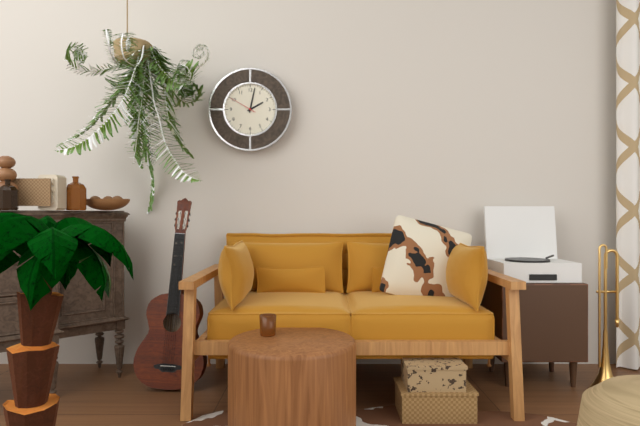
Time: h=2 m=2
